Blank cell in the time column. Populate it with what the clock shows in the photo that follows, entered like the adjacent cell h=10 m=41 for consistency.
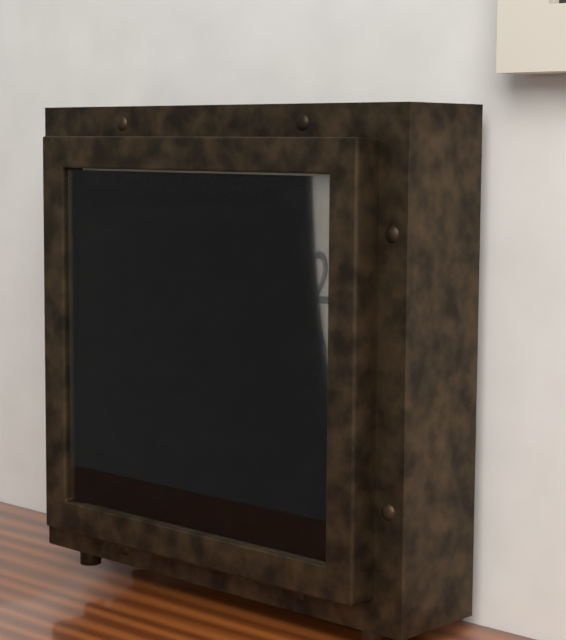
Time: h=8 m=24
